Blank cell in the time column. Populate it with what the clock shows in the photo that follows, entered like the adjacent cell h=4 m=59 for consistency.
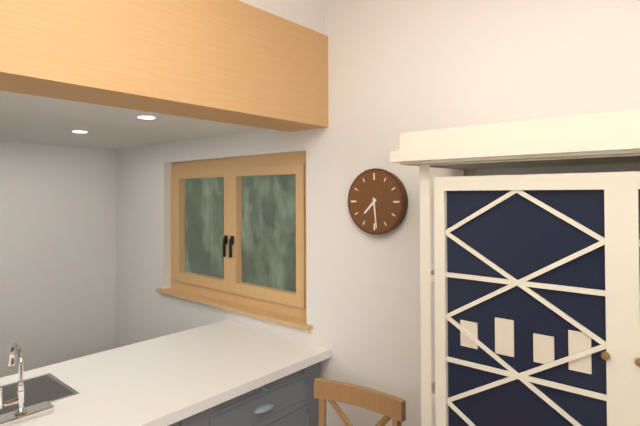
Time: h=7 m=29
